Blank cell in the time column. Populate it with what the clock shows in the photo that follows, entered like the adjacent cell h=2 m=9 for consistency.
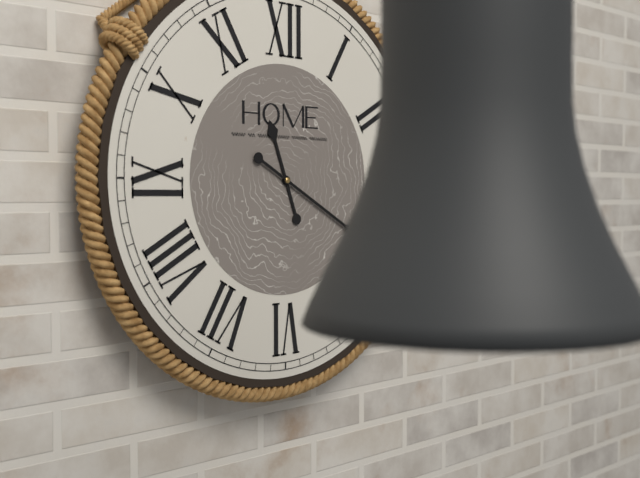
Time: h=11 m=20
